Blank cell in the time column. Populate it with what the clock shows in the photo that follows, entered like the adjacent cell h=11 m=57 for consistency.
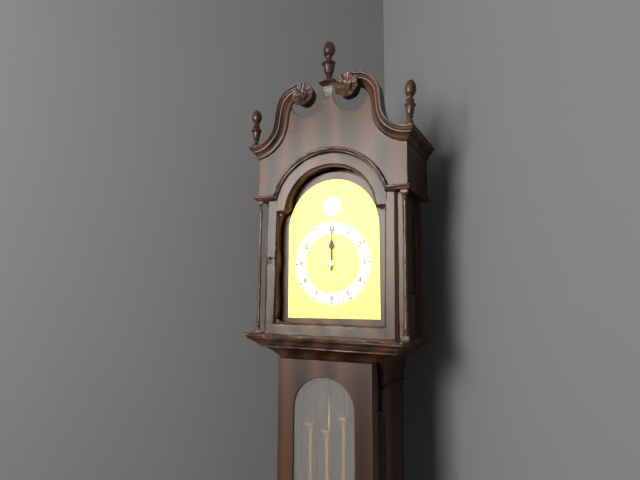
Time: h=12 m=0
